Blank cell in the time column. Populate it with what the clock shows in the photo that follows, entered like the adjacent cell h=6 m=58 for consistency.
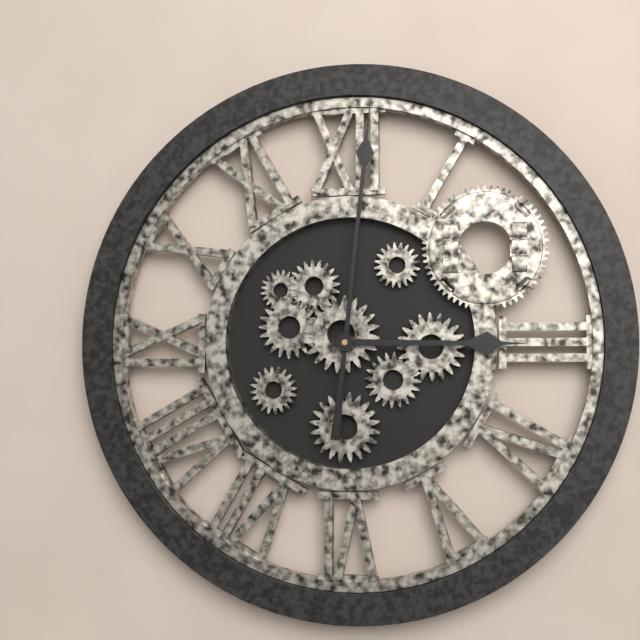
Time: h=3 m=1
